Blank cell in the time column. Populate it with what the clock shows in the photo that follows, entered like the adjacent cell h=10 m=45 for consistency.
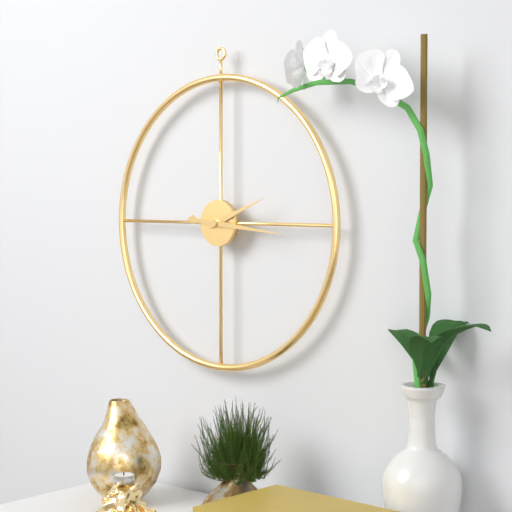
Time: h=2 m=16
